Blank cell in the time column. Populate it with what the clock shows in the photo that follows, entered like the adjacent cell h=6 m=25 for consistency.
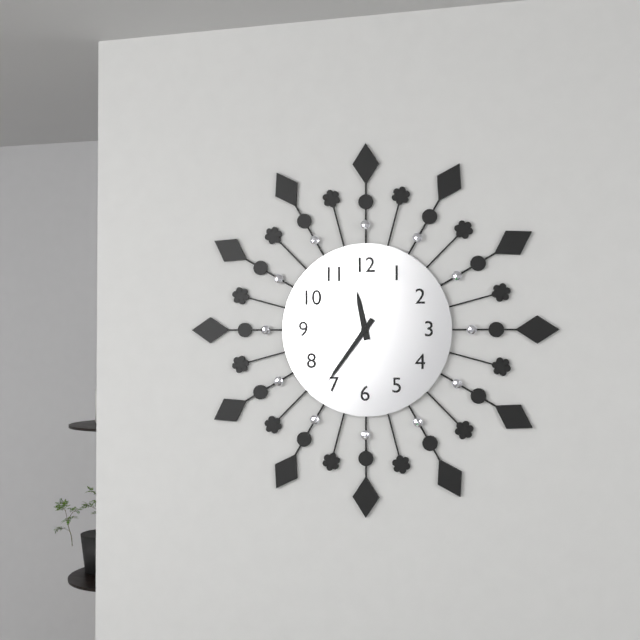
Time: h=11 m=36
